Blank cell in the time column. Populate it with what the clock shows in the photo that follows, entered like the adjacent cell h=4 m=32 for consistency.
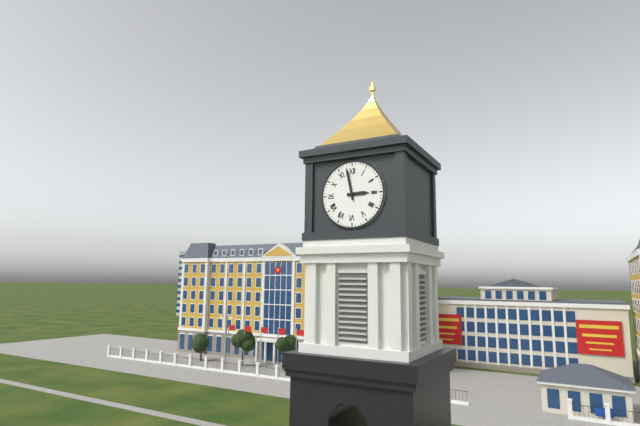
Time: h=2 m=58
